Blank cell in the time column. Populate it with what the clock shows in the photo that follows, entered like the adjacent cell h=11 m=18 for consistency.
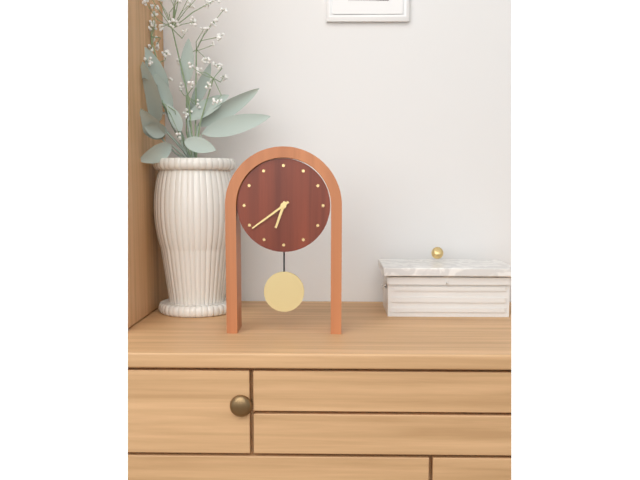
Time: h=6 m=39
